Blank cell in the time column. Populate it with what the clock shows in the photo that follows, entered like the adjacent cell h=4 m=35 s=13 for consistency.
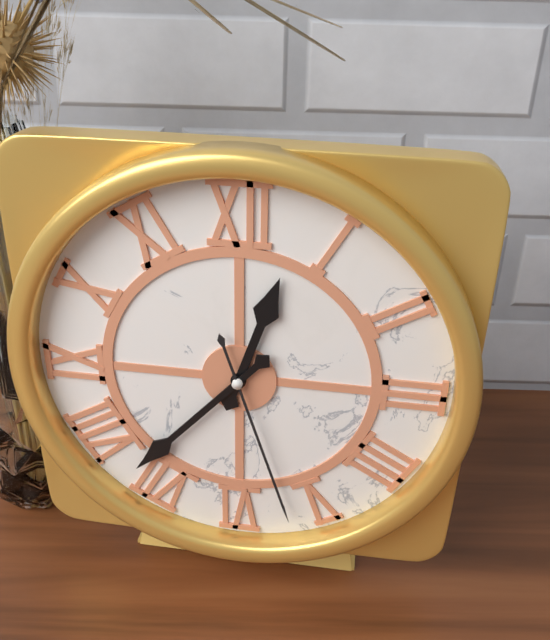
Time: h=12 m=37 s=27
